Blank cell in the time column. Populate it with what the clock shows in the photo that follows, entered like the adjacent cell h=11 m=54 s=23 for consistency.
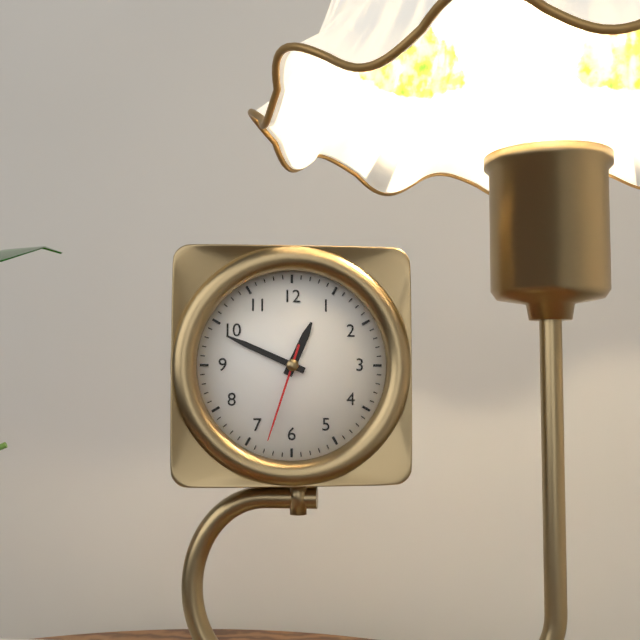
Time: h=12 m=49 s=33
